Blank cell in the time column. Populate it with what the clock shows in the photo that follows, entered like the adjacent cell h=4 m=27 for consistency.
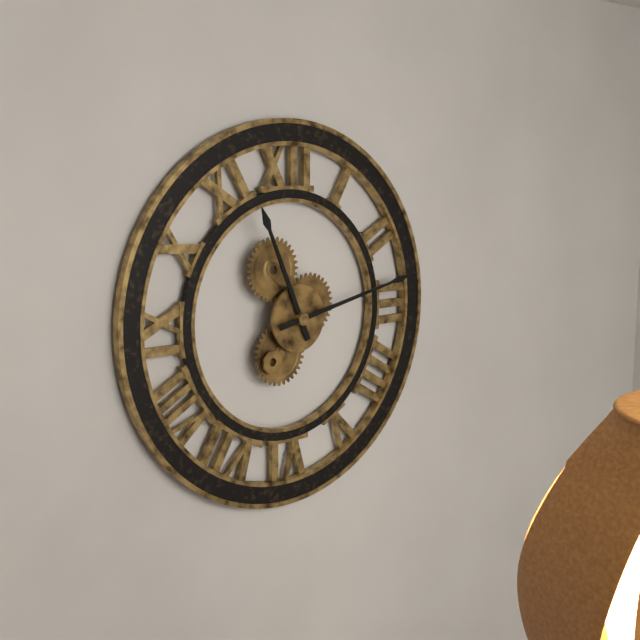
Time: h=11 m=13
